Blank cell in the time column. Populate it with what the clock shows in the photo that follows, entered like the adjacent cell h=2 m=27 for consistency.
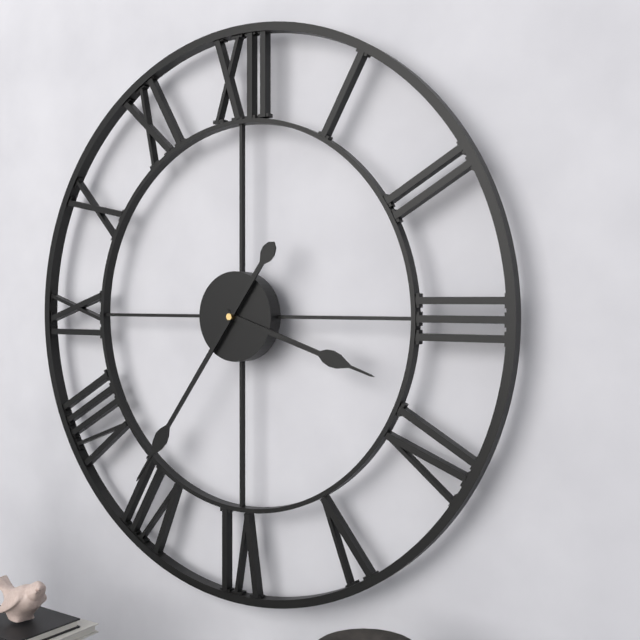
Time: h=3 m=36
